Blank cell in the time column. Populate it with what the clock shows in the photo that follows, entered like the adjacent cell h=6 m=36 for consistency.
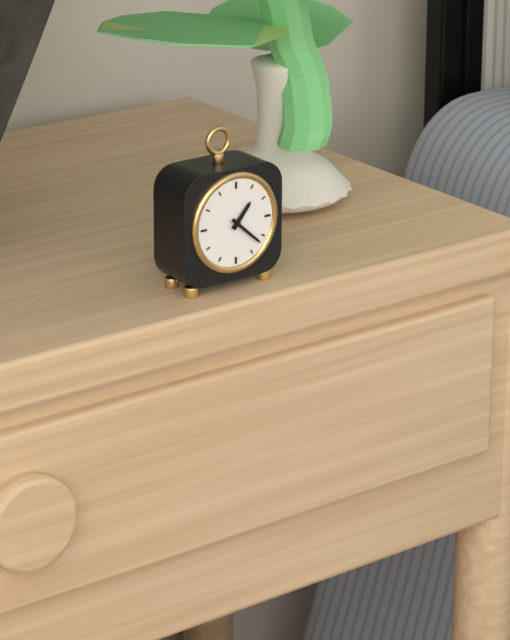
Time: h=1 m=22
